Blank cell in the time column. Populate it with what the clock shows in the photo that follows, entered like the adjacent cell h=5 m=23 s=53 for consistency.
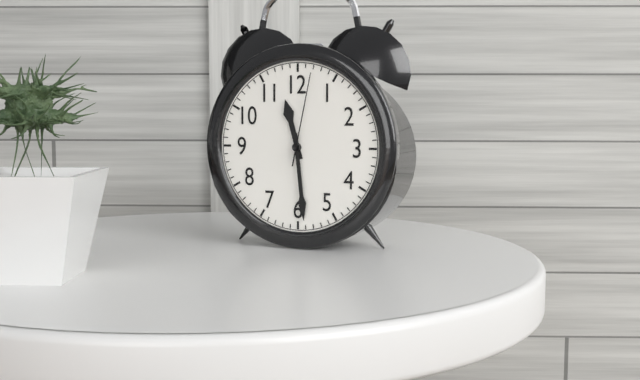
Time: h=11 m=29 s=2
